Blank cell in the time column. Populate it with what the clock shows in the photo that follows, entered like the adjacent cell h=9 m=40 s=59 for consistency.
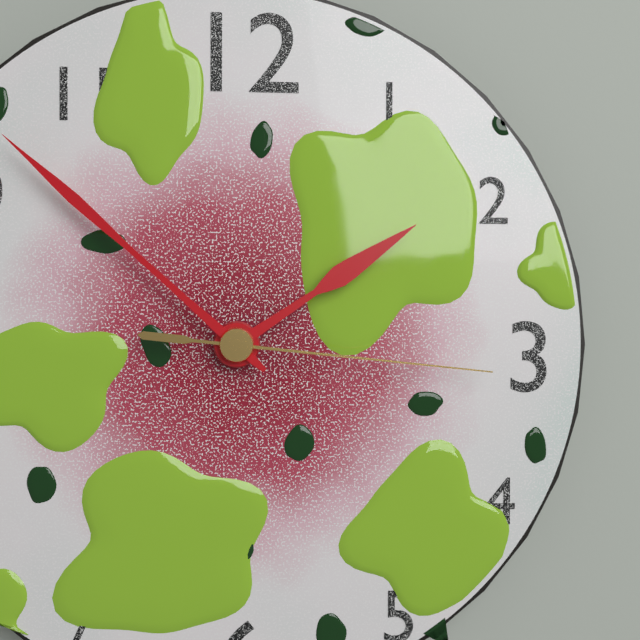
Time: h=1 m=52 s=16
